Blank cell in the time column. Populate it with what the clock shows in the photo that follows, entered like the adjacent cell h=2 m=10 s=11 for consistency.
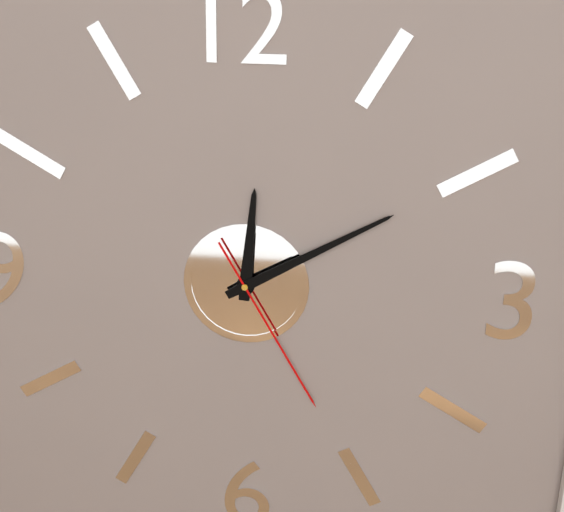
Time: h=12 m=10 s=25
